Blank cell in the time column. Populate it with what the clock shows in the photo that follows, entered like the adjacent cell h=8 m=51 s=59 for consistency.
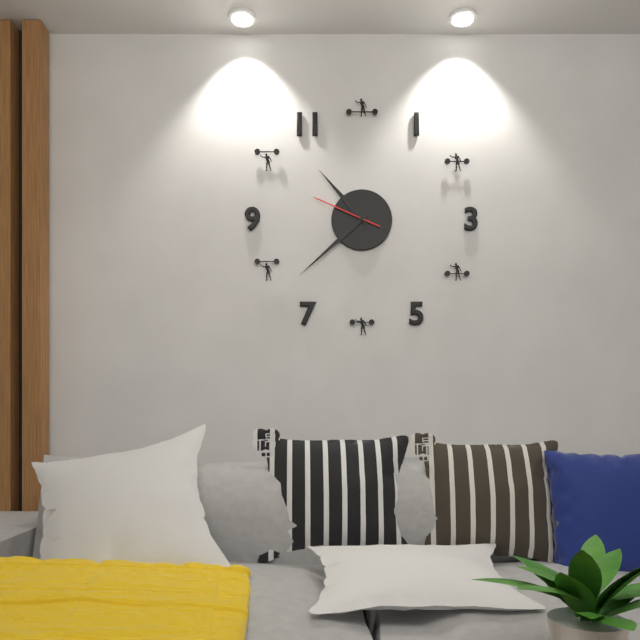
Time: h=10 m=38 s=49
